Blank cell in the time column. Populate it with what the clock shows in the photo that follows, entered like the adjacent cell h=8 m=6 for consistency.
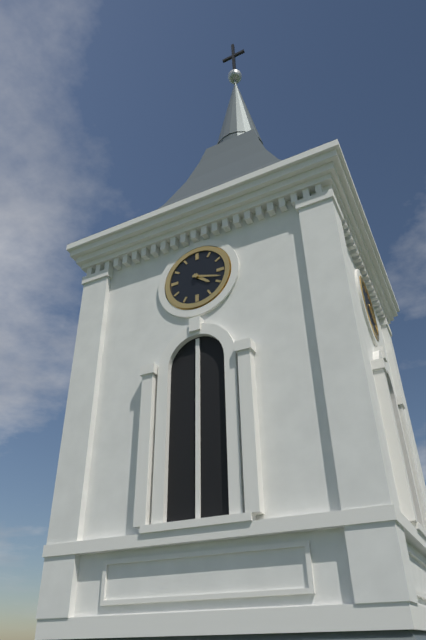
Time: h=4 m=18
